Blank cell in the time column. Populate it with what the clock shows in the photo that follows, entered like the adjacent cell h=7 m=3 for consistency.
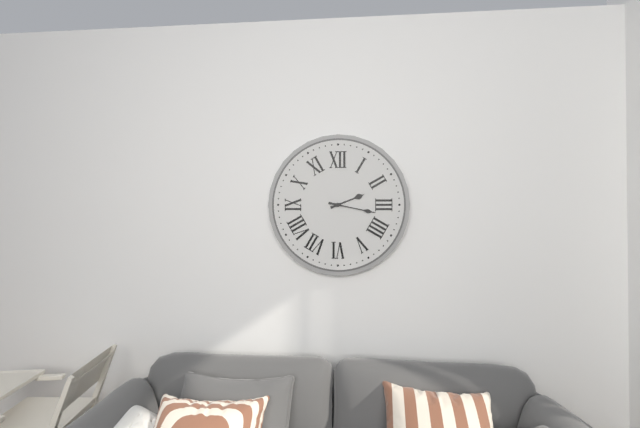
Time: h=2 m=17
